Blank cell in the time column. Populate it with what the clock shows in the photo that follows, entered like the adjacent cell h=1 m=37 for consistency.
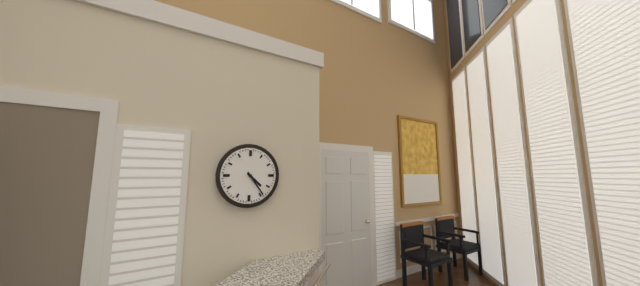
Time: h=4 m=24
